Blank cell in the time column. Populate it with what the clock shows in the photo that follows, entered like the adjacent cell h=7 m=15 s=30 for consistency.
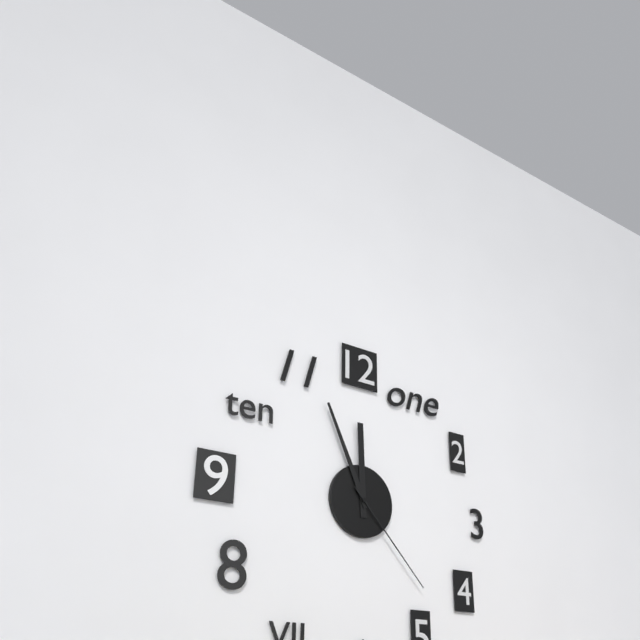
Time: h=11 m=56 s=23
